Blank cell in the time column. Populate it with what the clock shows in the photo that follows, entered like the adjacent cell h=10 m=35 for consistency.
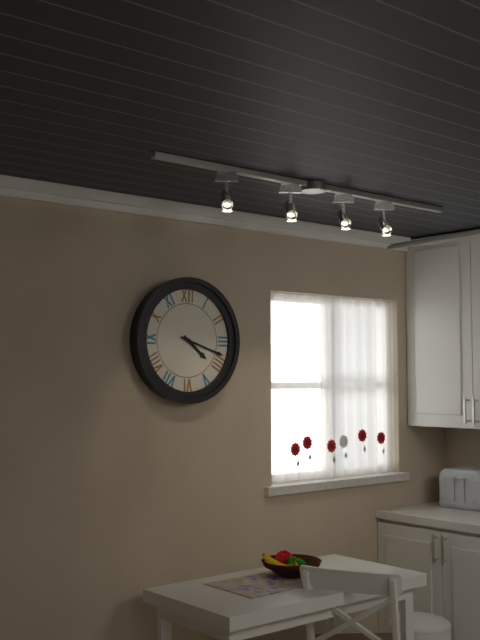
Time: h=4 m=18
